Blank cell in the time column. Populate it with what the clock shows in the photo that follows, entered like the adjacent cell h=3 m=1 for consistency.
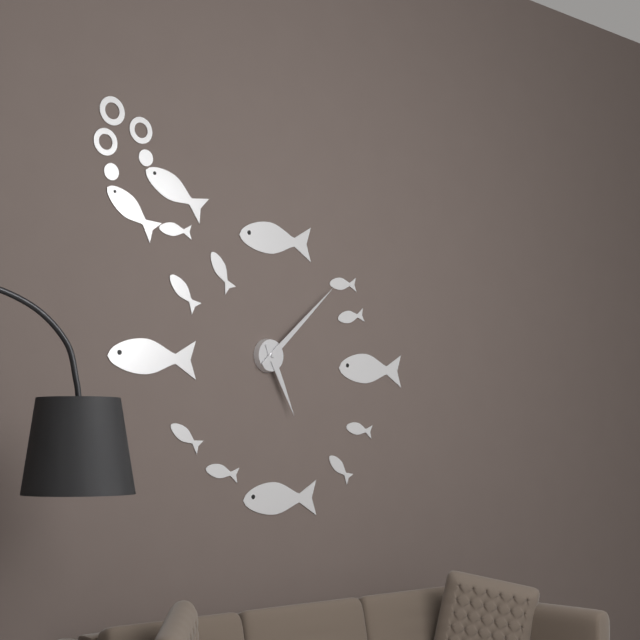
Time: h=5 m=8
